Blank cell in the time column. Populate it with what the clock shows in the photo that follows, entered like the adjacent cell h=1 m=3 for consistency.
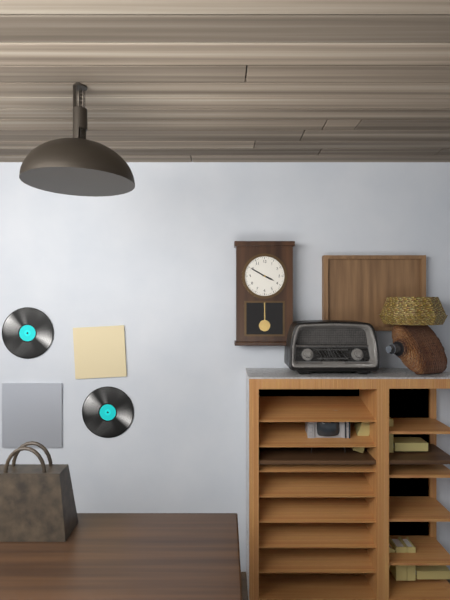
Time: h=3 m=50
